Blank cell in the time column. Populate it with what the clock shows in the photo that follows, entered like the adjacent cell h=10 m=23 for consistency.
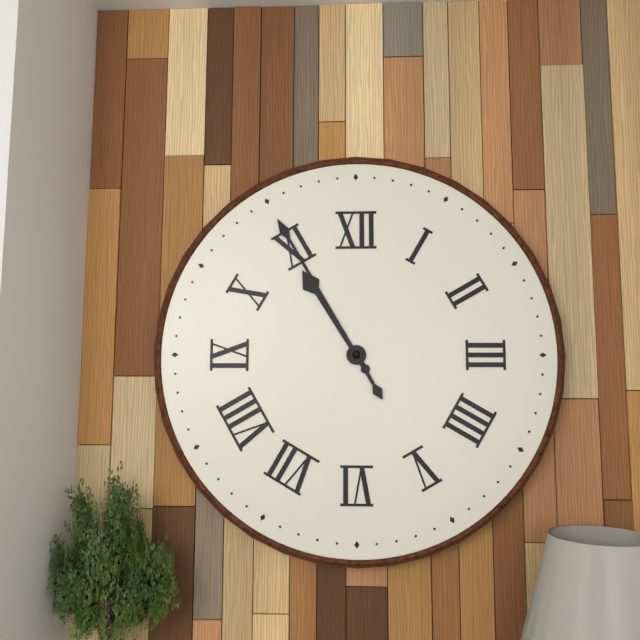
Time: h=10 m=55
